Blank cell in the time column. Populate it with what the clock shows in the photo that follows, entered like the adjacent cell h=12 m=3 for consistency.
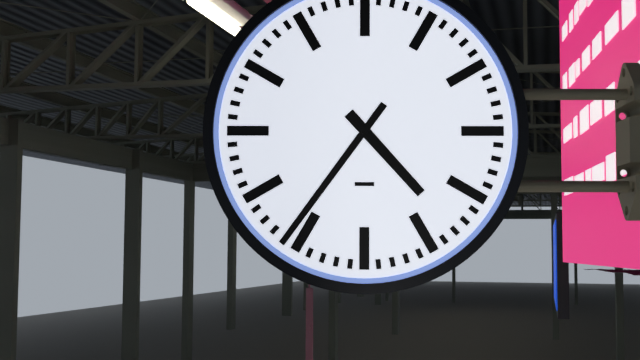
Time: h=4 m=36
